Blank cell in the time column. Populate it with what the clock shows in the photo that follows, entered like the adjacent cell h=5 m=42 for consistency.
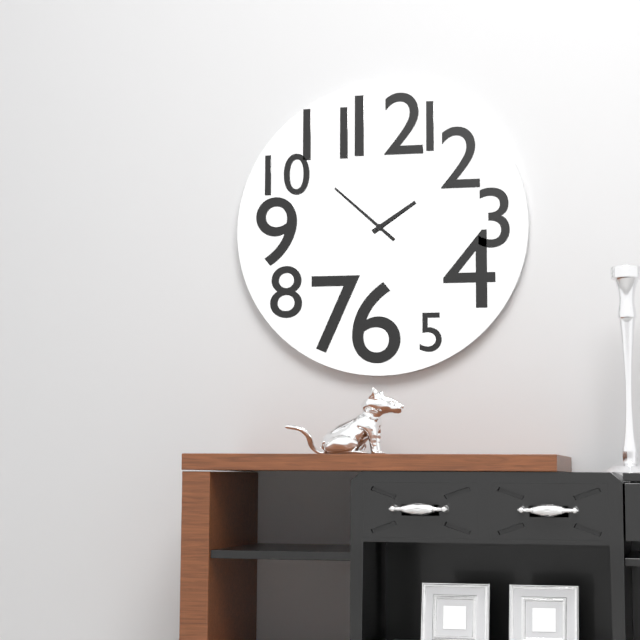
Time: h=1 m=52
